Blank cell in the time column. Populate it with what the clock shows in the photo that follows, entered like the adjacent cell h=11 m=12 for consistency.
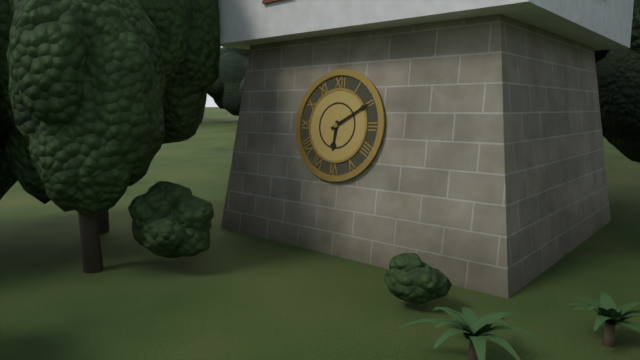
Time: h=6 m=10
